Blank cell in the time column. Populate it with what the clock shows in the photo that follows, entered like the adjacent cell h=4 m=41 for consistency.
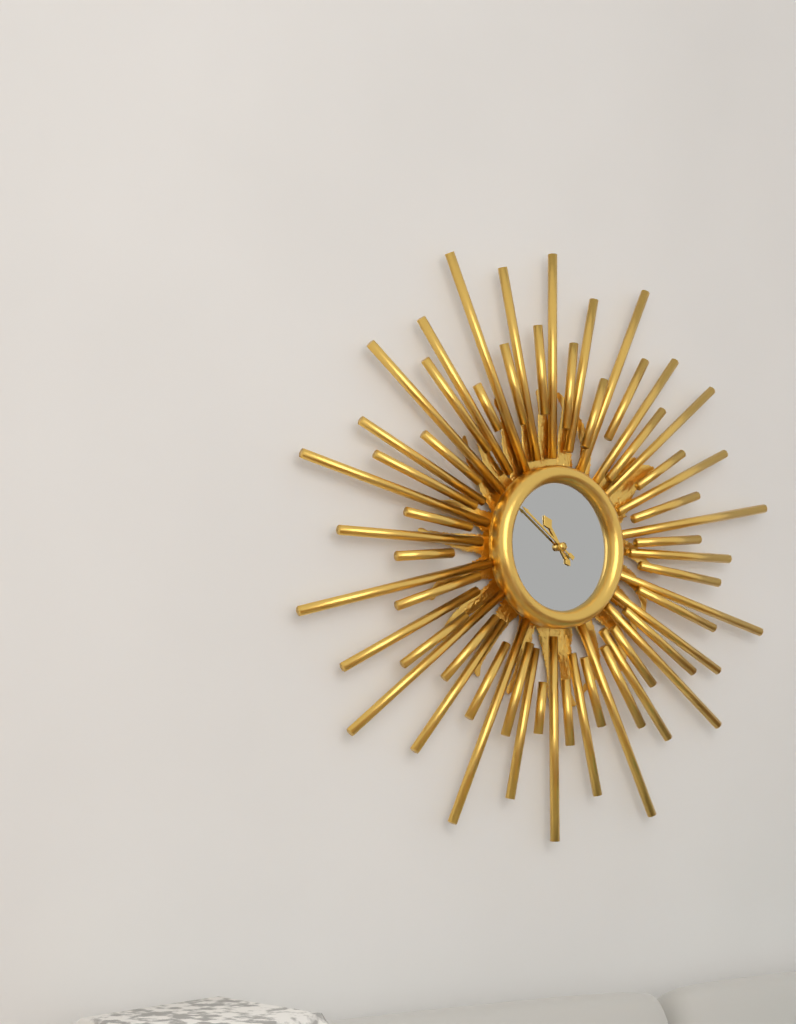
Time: h=10 m=51
